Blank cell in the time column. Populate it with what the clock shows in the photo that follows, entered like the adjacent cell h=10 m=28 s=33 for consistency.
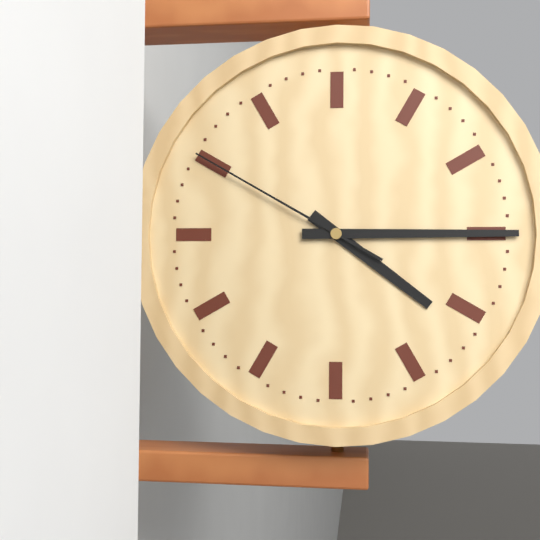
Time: h=4 m=15 s=50
